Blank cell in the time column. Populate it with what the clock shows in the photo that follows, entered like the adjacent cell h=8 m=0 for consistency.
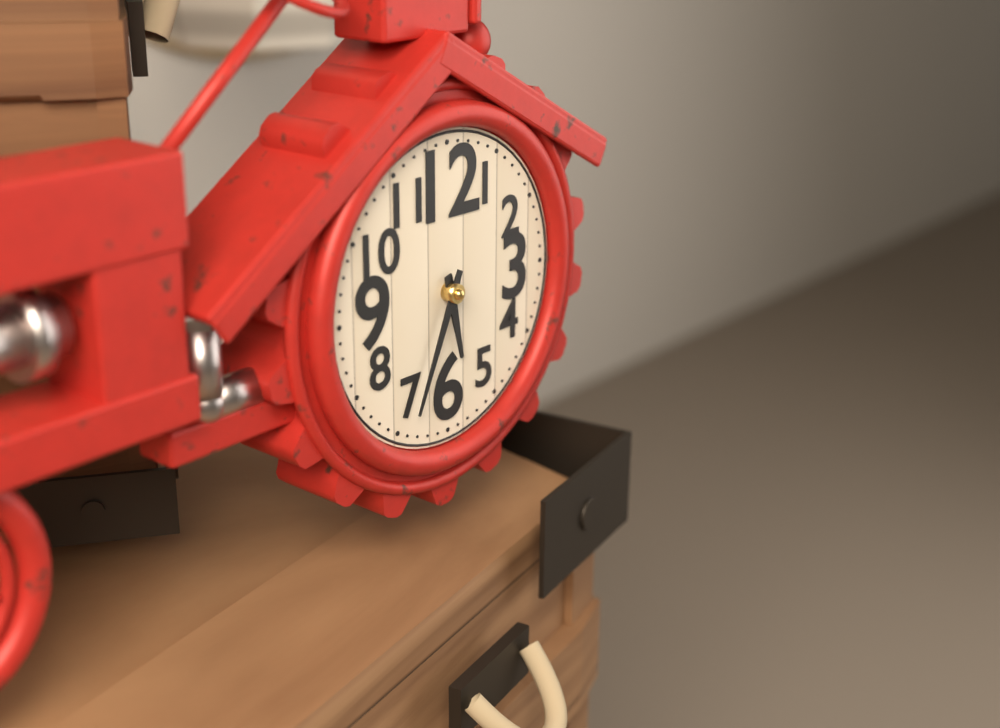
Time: h=5 m=34
